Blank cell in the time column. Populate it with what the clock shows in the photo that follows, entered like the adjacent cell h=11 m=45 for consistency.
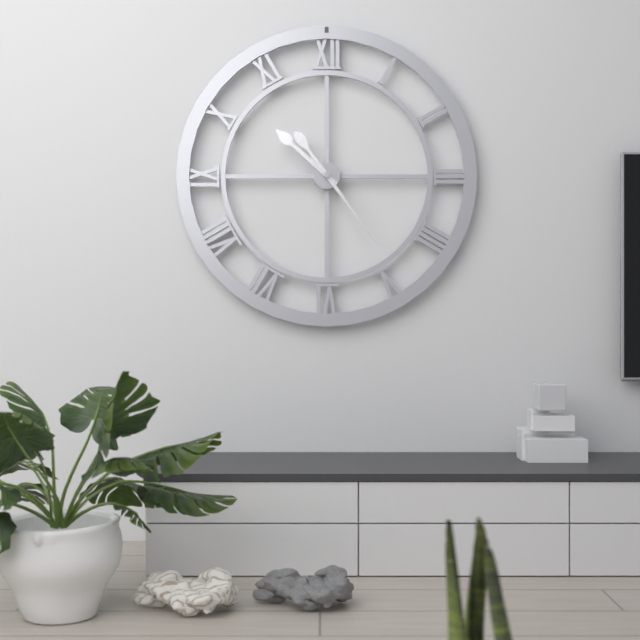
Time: h=10 m=24
